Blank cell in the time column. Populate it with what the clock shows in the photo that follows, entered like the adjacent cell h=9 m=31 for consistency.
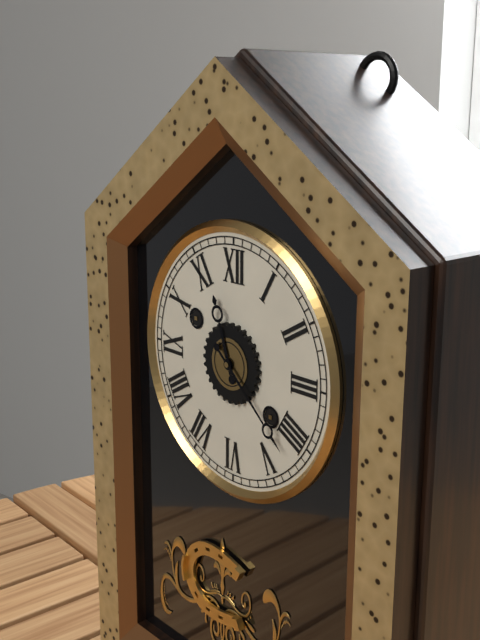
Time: h=11 m=22
